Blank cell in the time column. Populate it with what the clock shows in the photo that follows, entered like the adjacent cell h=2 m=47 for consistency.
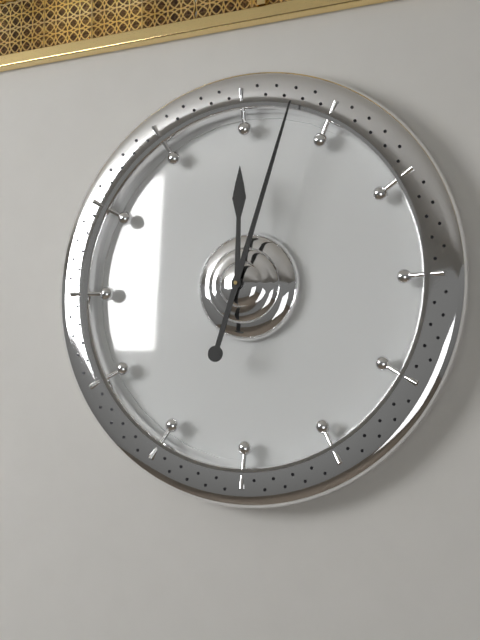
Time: h=12 m=3
